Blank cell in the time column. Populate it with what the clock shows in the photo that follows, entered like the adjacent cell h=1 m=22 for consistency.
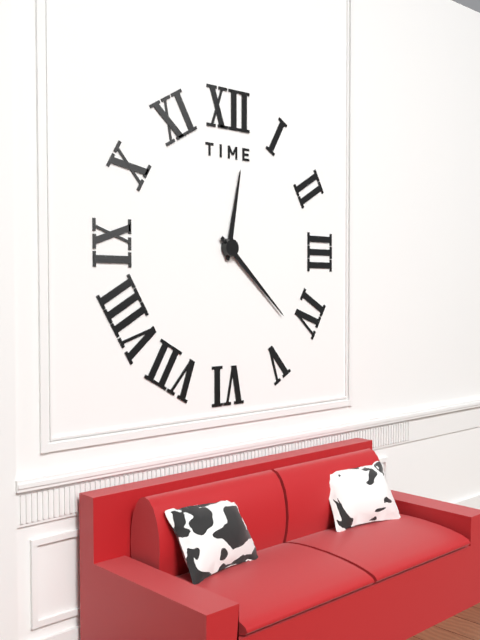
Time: h=12 m=22
